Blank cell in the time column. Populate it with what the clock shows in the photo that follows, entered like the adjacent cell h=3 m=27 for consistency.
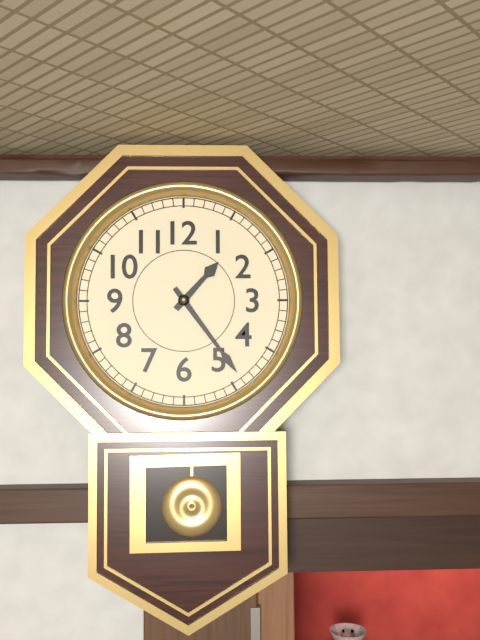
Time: h=1 m=24
